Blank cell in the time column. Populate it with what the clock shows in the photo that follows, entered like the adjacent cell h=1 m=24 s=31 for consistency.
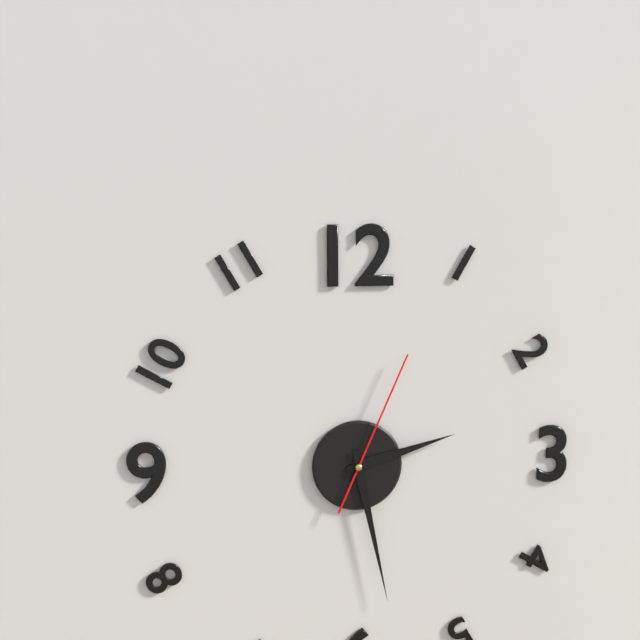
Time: h=2 m=28 s=4
